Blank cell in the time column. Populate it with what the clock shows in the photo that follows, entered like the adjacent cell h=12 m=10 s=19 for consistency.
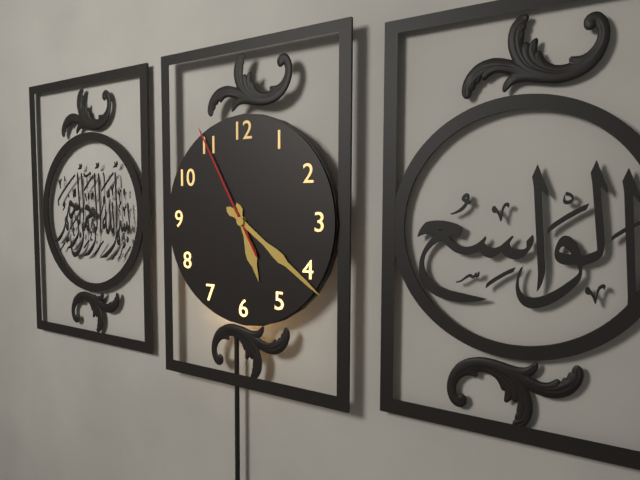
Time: h=5 m=21 s=55
